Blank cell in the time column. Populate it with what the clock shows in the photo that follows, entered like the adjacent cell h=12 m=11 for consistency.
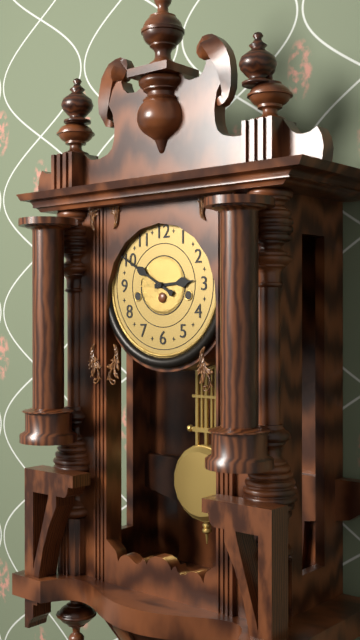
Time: h=2 m=50
